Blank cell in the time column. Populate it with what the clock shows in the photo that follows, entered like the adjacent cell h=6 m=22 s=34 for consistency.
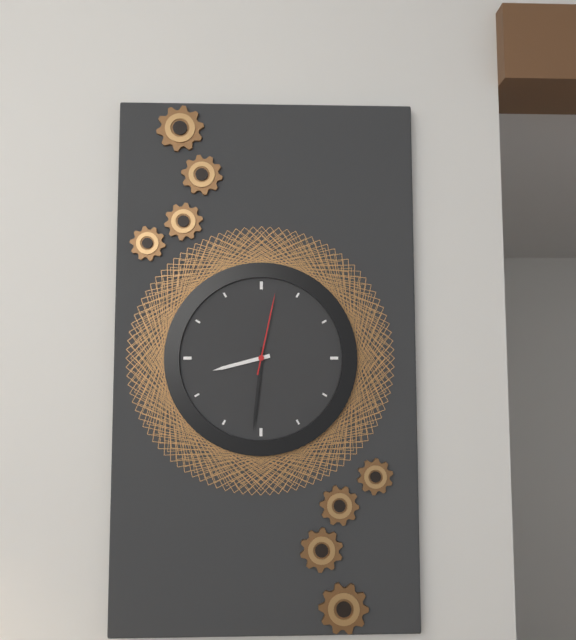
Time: h=8 m=31 s=2
